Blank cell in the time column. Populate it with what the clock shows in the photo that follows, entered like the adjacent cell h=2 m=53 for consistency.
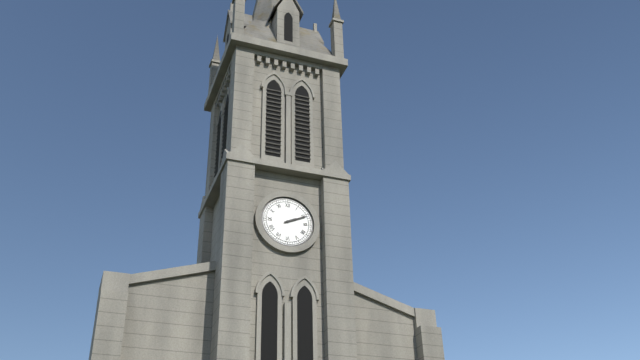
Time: h=2 m=11
